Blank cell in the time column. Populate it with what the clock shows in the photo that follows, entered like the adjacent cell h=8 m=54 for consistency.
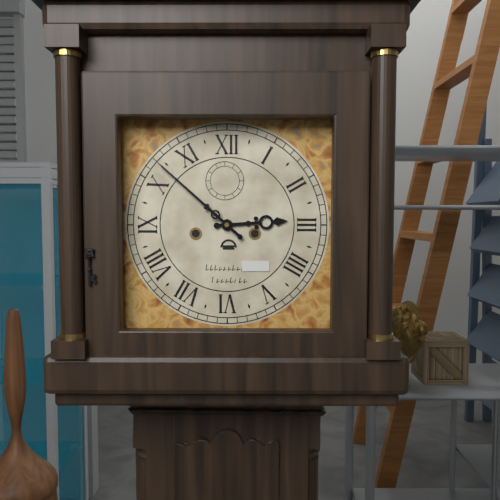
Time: h=2 m=52
